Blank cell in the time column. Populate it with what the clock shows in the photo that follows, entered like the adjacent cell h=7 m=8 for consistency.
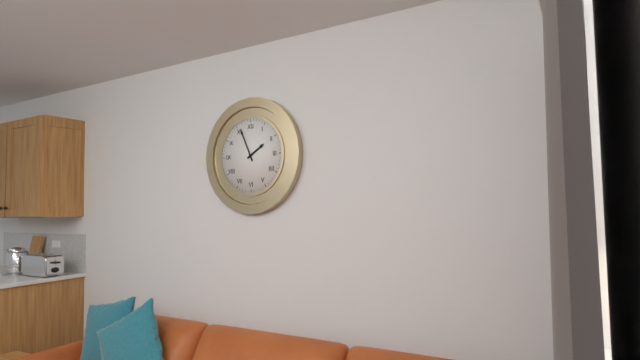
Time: h=1 m=56
